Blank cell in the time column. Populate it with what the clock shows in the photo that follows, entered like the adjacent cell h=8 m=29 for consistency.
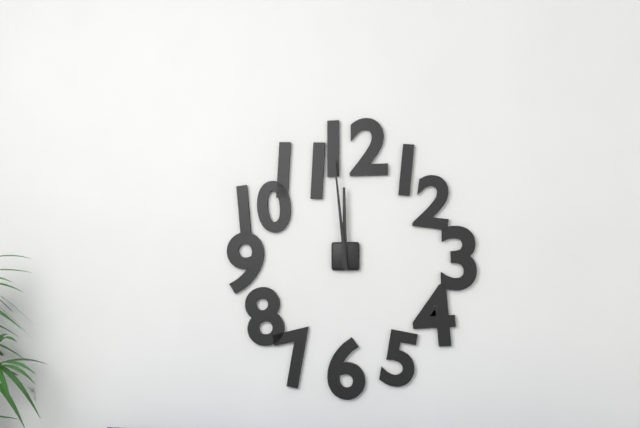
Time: h=11 m=59
